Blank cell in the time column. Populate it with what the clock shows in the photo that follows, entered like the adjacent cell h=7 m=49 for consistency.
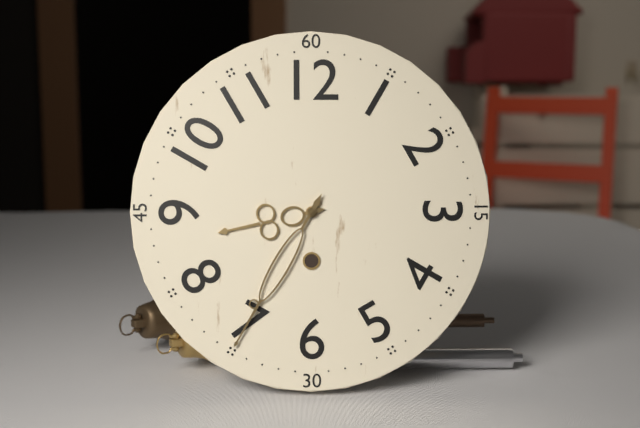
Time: h=8 m=35
